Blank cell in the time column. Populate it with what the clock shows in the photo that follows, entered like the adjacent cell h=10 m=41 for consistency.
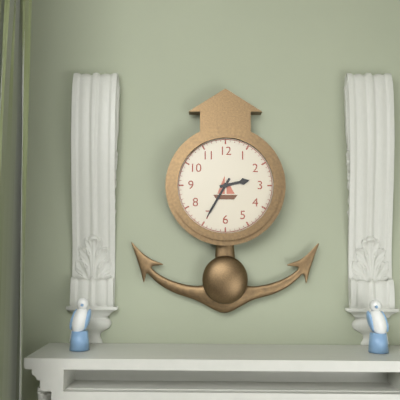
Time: h=2 m=35
